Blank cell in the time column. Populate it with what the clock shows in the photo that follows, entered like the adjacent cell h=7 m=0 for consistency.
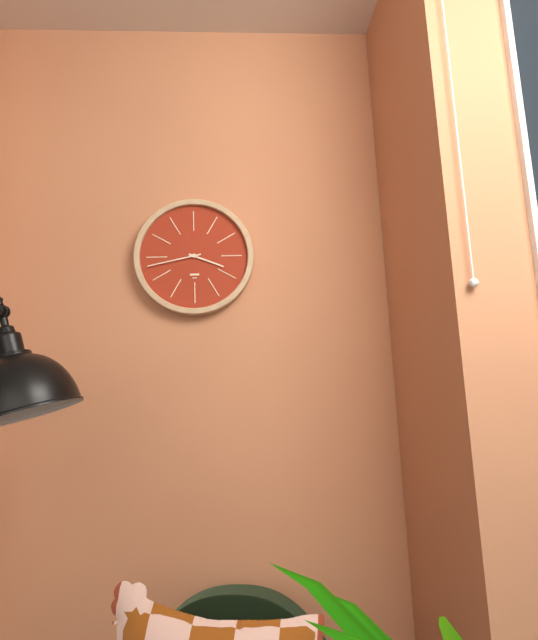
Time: h=3 m=43
